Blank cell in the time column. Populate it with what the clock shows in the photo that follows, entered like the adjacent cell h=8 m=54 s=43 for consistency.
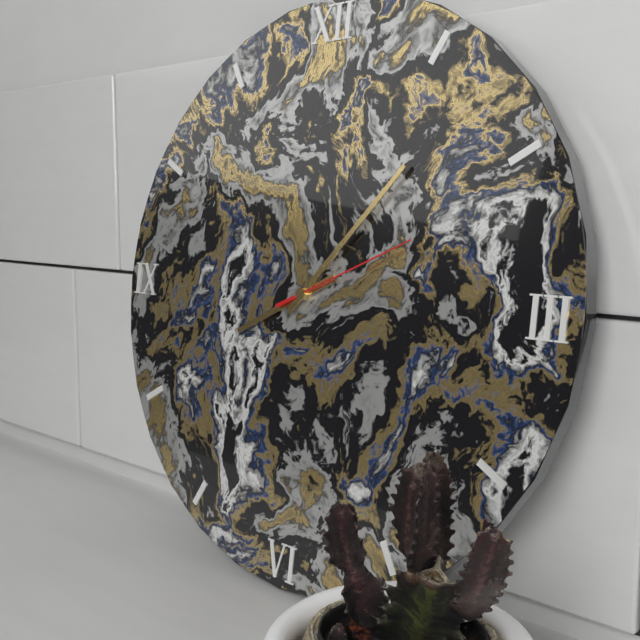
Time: h=8 m=7 s=11
